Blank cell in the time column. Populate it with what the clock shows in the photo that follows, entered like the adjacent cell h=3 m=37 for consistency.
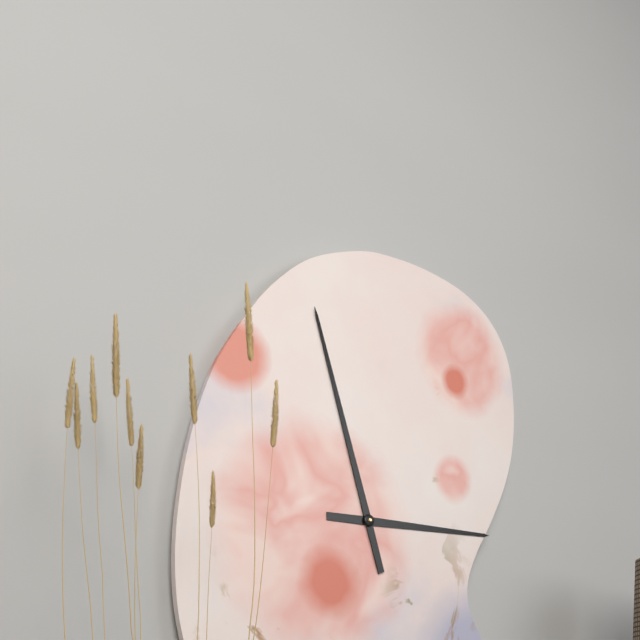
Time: h=2 m=57
